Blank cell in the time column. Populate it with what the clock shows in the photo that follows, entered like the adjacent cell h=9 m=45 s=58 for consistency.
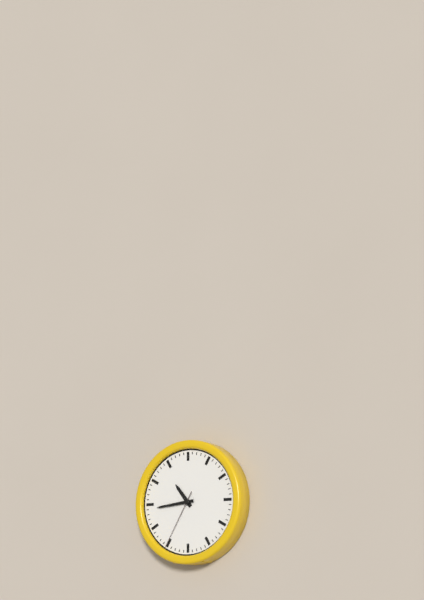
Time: h=10 m=44 s=35
